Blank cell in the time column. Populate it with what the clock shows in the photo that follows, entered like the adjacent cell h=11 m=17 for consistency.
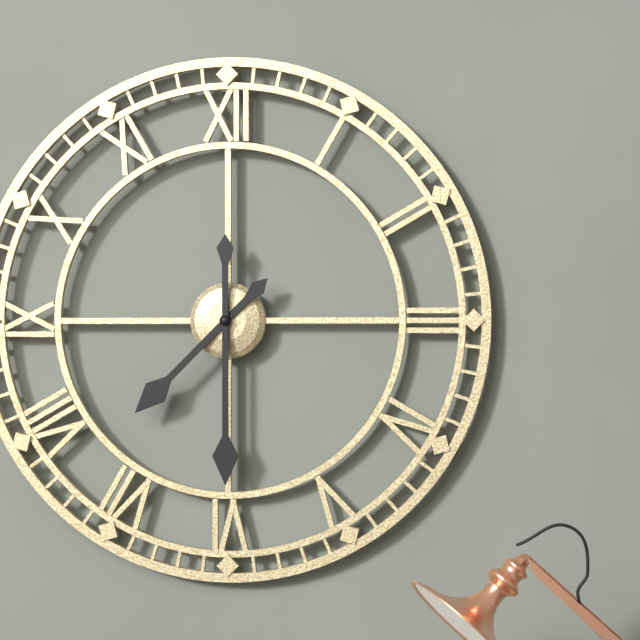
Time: h=7 m=30
